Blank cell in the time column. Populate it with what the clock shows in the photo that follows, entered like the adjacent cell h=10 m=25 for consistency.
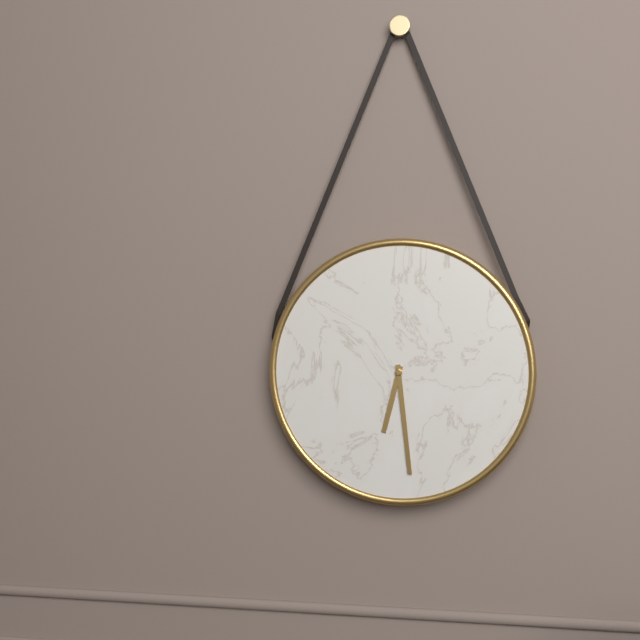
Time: h=6 m=29
